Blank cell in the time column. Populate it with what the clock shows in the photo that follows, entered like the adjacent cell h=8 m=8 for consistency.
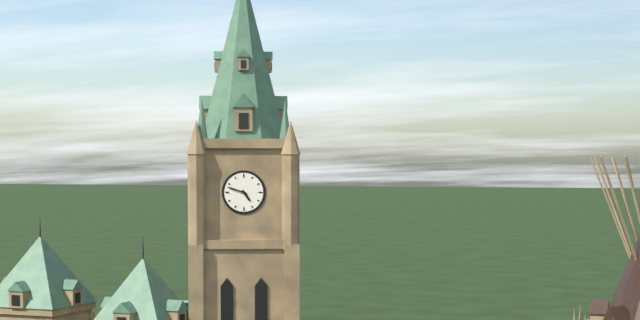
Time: h=4 m=48
